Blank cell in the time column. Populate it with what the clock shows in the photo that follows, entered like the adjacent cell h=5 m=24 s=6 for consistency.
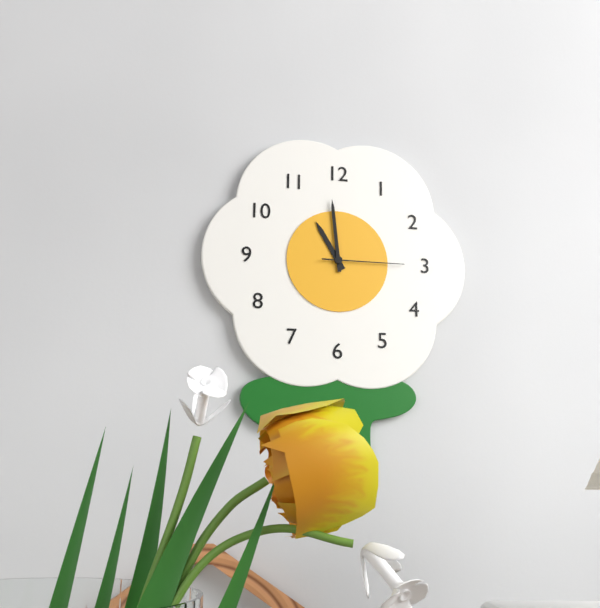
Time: h=10 m=59 s=15
